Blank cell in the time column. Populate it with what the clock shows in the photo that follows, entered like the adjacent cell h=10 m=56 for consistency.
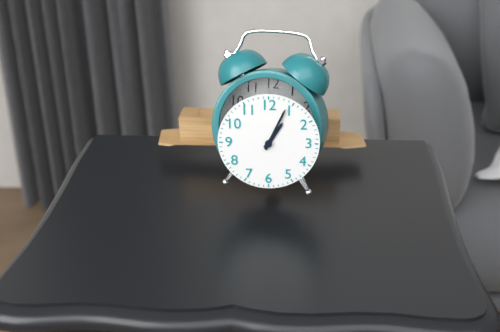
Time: h=1 m=4
